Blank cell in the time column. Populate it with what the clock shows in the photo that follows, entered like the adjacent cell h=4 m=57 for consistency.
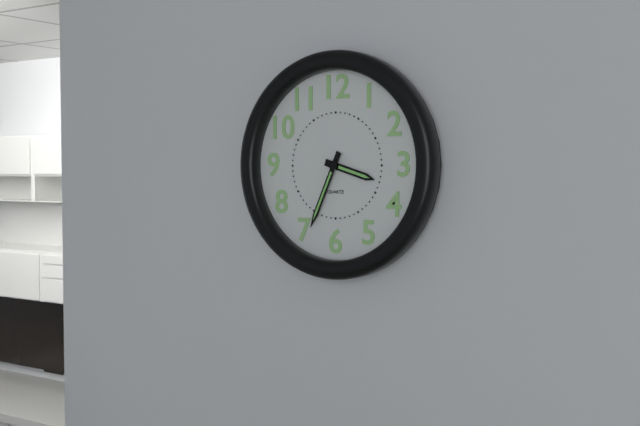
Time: h=3 m=34
